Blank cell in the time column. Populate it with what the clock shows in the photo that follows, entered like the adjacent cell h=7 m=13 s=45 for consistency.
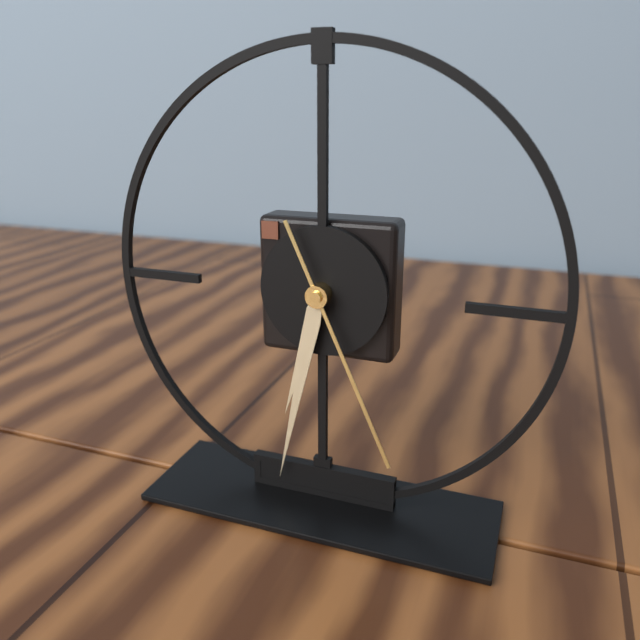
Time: h=6 m=32 s=26
